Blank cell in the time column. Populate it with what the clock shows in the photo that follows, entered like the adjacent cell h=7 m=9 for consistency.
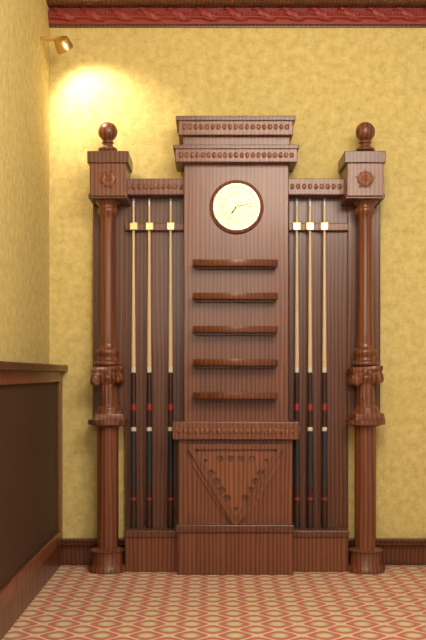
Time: h=7 m=13
